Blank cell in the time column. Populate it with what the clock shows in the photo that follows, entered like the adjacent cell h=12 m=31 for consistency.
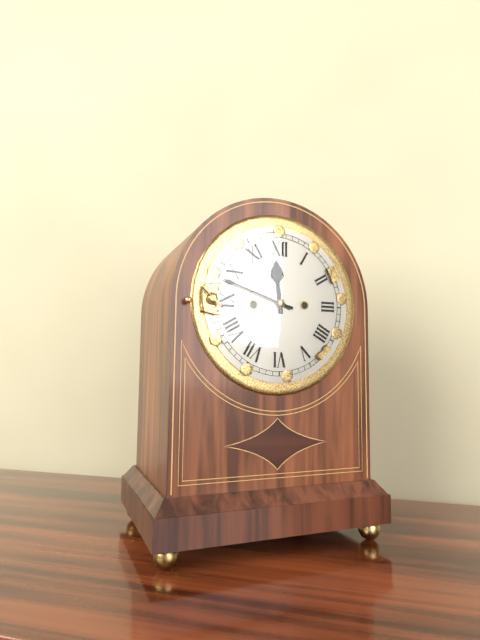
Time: h=11 m=48
